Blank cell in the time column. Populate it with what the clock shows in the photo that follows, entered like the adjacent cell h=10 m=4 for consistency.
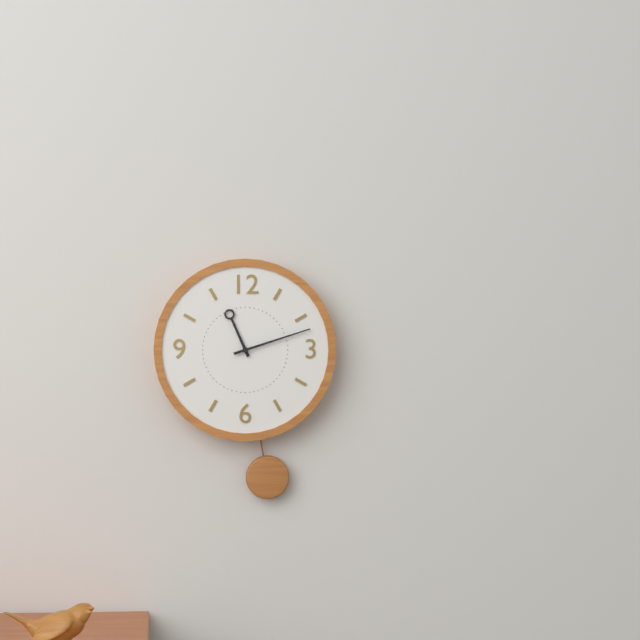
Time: h=11 m=12
